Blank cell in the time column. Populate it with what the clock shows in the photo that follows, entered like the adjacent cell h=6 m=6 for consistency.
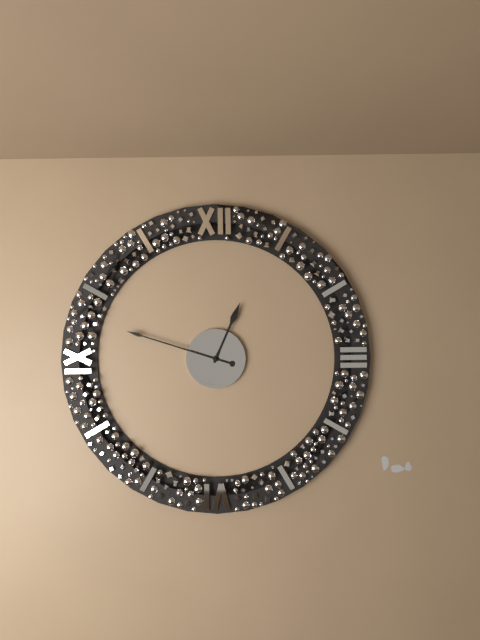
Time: h=12 m=48
